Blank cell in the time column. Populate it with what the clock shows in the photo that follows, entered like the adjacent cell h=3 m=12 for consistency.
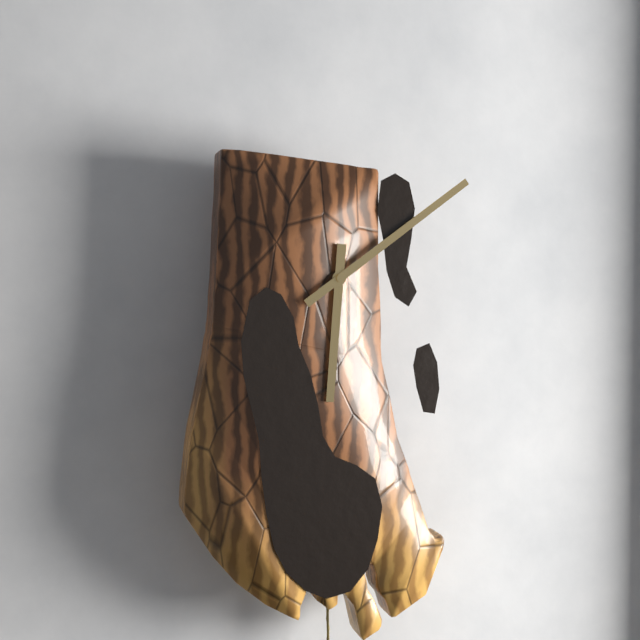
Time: h=6 m=9
